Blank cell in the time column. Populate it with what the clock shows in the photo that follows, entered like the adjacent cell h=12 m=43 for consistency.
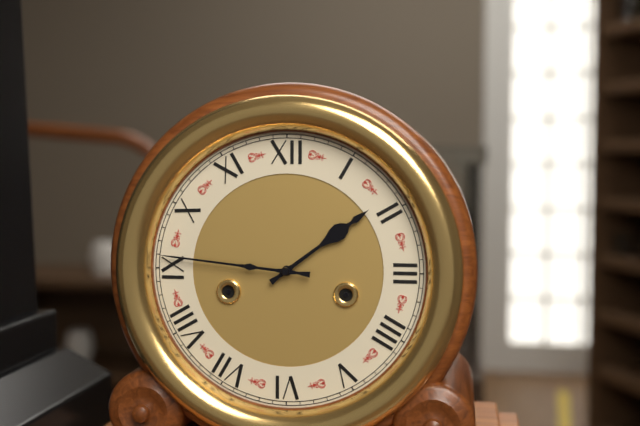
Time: h=1 m=46
